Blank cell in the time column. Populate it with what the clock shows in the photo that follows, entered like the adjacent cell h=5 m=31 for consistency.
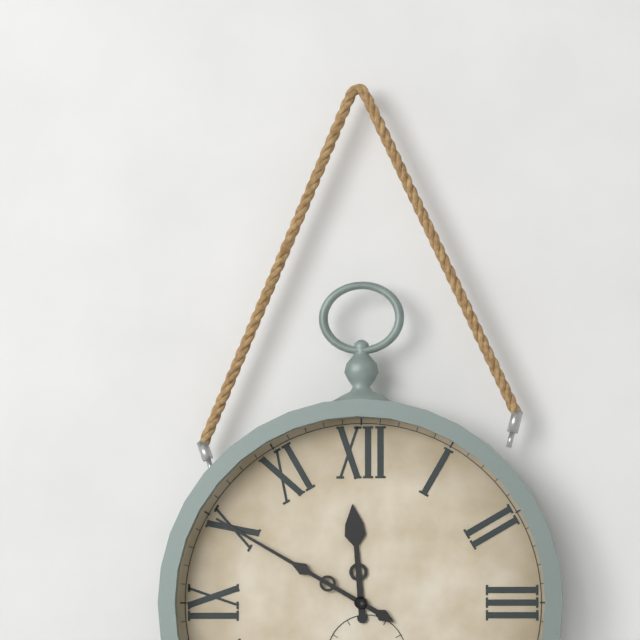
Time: h=11 m=50
